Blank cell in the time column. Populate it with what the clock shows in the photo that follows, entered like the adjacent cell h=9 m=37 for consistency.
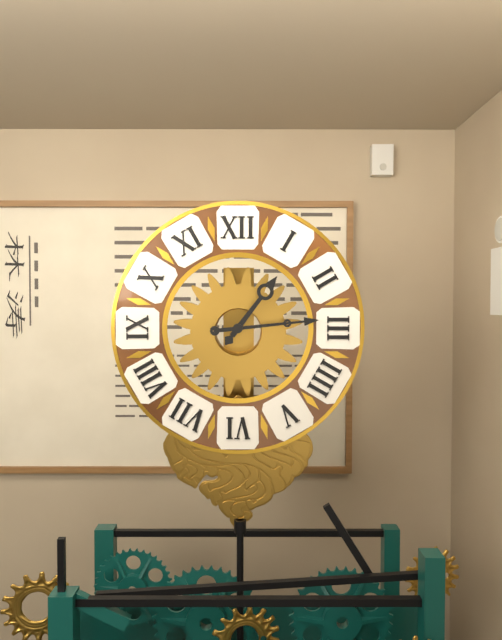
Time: h=1 m=14
